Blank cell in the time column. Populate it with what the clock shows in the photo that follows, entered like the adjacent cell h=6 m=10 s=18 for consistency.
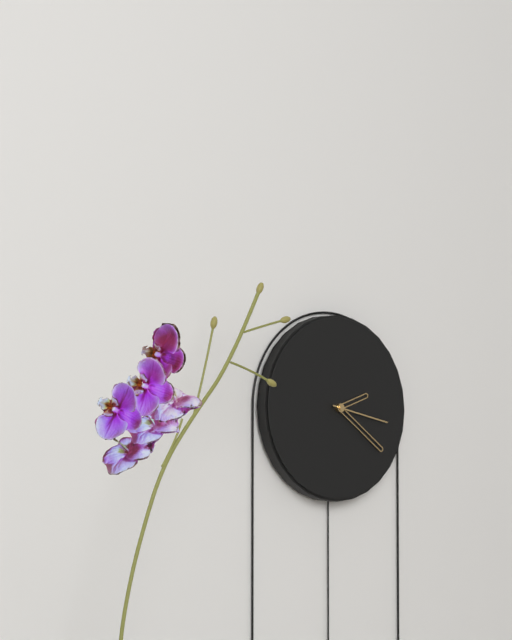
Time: h=2 m=21 s=17
